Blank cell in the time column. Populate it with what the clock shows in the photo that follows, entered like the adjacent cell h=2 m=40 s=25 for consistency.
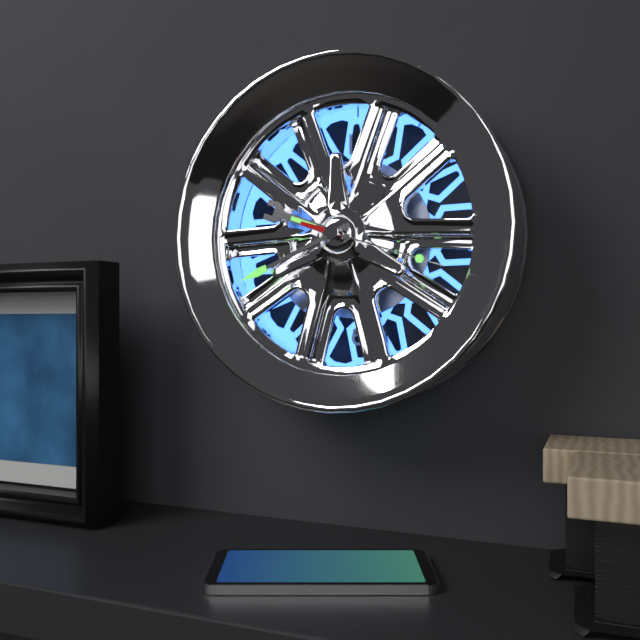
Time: h=9 m=41 s=18
